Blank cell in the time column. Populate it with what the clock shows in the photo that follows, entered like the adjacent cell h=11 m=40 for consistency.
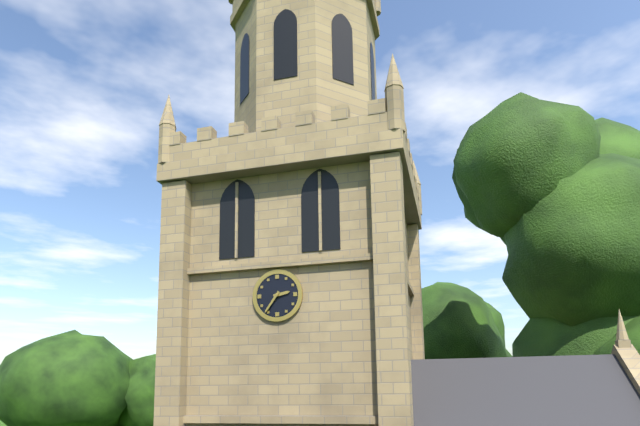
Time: h=2 m=36
